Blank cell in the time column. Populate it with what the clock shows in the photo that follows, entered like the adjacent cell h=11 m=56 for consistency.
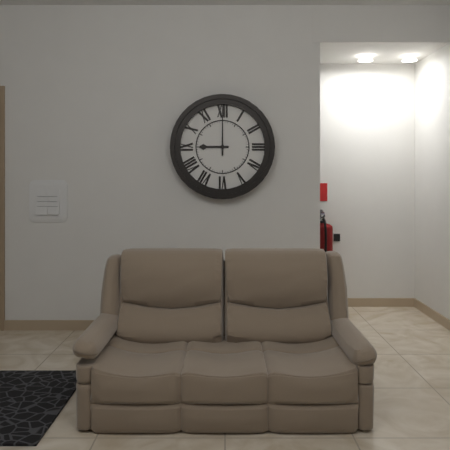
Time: h=9 m=0
